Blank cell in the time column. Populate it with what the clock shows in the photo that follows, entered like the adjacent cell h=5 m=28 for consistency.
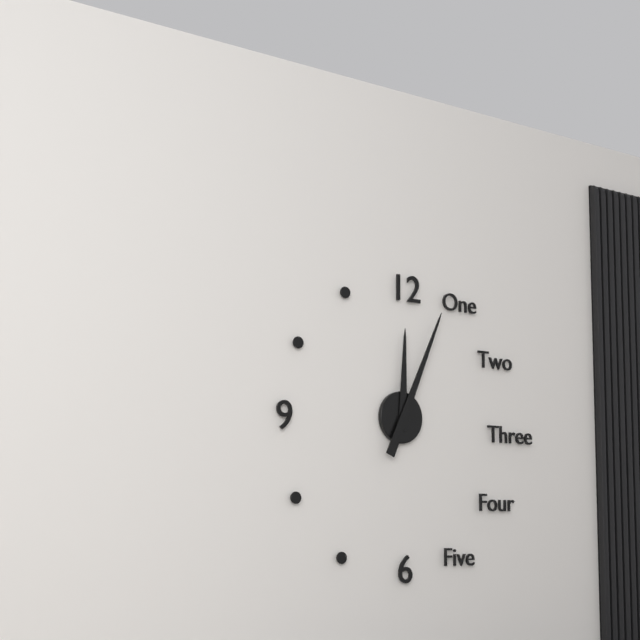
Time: h=12 m=4
